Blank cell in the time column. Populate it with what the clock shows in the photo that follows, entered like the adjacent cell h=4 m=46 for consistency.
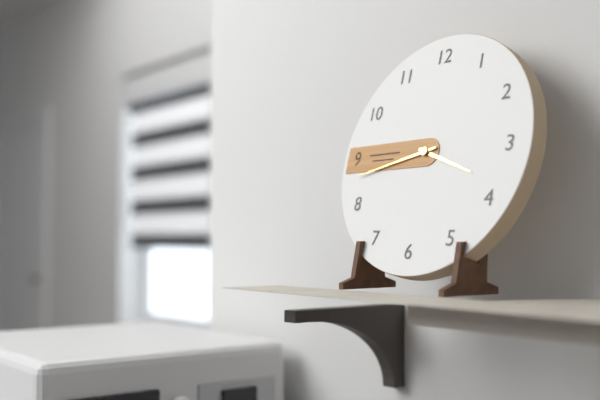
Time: h=3 m=43
